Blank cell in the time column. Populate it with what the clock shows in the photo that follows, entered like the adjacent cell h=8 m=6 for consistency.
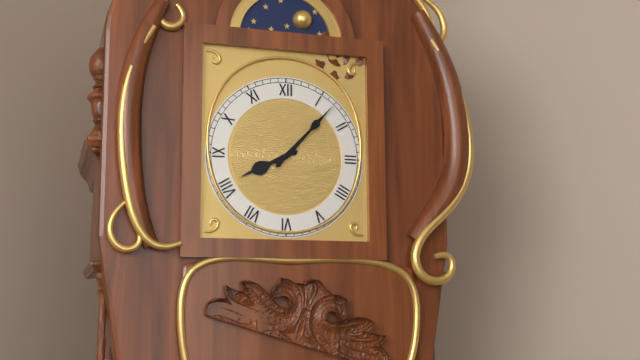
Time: h=8 m=7
